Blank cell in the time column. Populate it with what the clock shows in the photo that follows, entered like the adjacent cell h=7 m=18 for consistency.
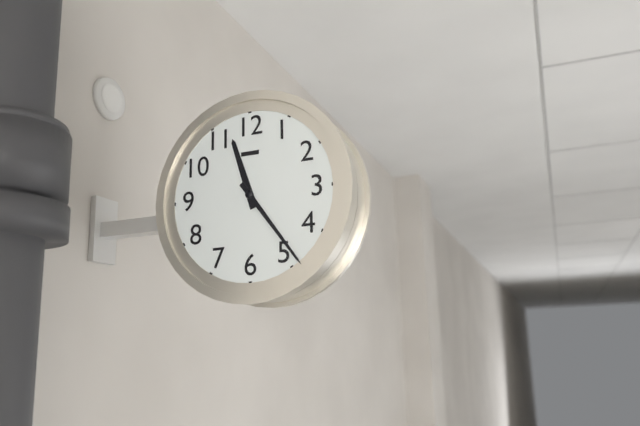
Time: h=11 m=24
